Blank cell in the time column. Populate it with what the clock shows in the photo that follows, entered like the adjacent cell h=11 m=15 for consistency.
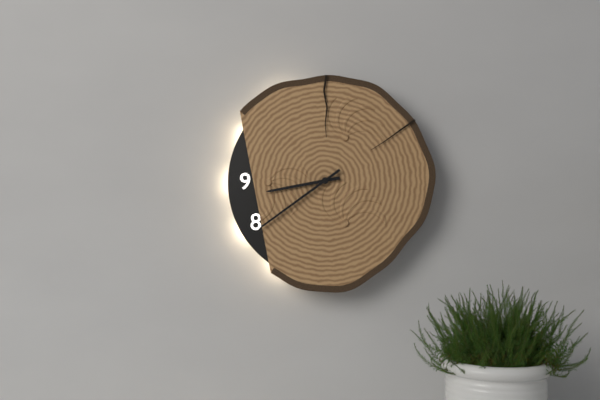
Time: h=8 m=39
